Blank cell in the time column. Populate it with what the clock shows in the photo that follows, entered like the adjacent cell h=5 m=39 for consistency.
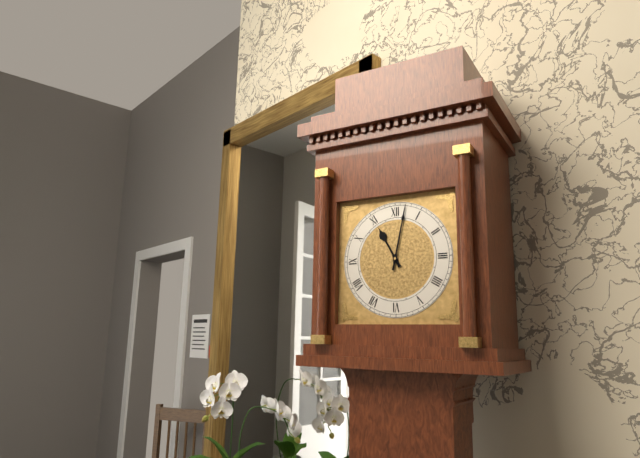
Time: h=11 m=2
